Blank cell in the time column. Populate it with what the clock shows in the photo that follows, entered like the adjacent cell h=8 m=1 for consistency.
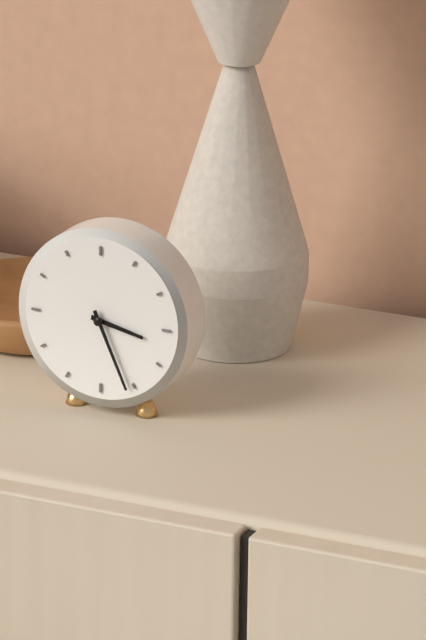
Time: h=3 m=26
